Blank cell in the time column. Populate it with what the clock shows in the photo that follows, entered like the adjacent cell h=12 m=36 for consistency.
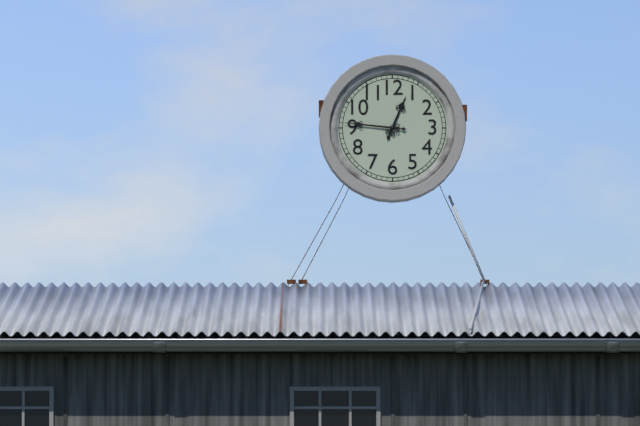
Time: h=12 m=46
